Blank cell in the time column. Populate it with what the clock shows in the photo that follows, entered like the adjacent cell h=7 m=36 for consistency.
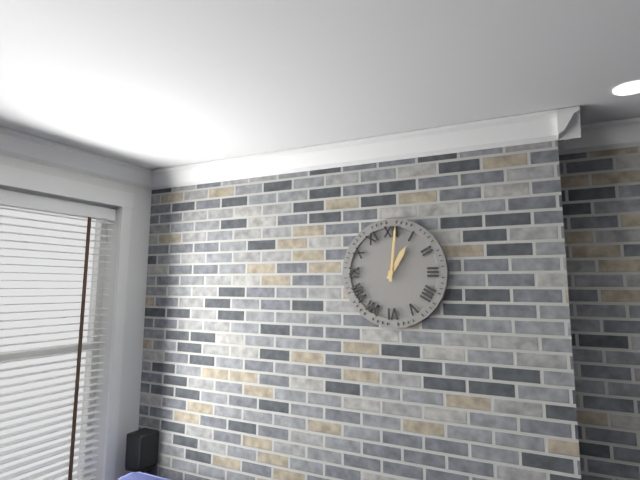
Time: h=1 m=1
